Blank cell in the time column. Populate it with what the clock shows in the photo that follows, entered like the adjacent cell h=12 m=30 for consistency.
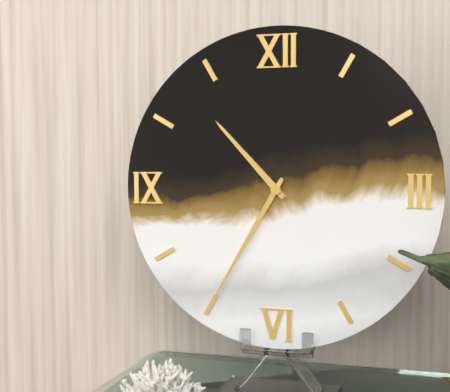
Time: h=10 m=35
